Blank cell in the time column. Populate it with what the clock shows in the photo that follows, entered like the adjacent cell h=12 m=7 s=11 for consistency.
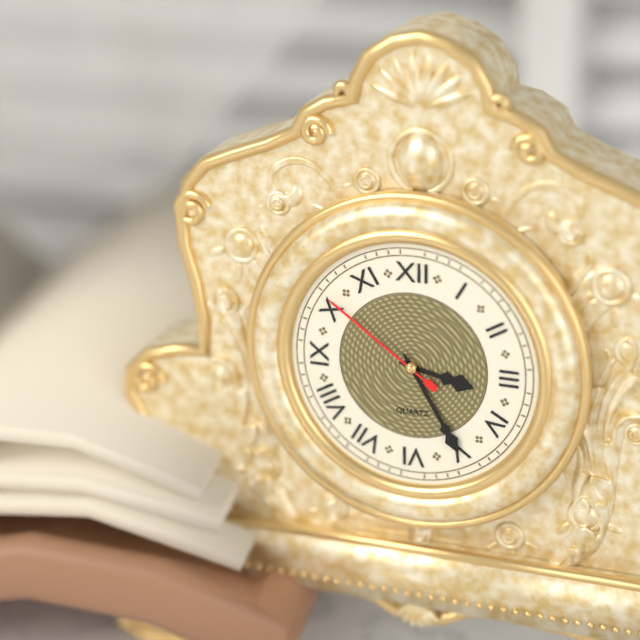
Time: h=3 m=25 s=51
